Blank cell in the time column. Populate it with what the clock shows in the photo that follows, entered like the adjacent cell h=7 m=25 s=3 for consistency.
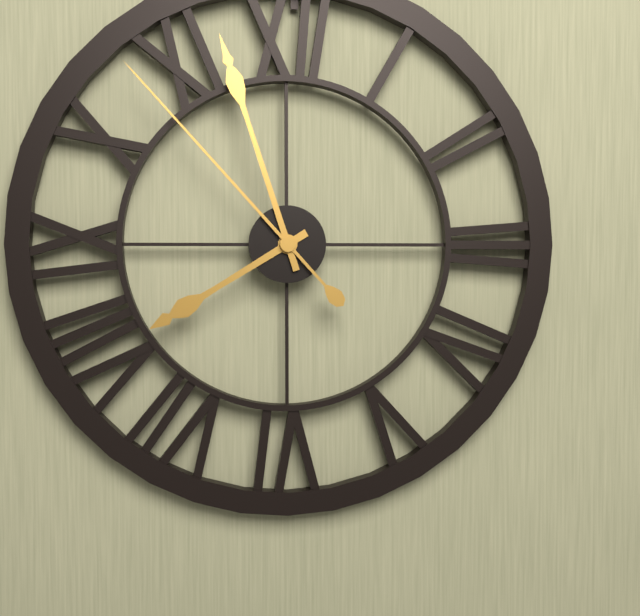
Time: h=7 m=57 s=53
